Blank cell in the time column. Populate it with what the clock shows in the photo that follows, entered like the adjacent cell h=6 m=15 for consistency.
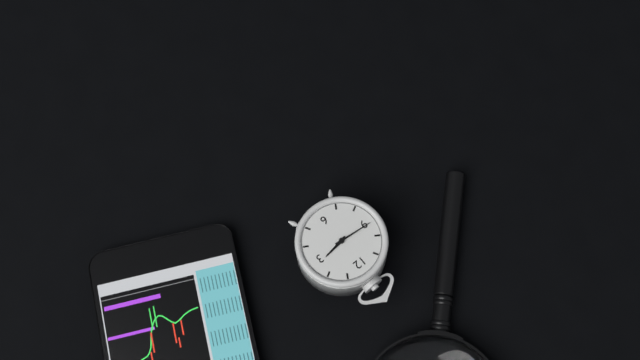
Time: h=2 m=46
